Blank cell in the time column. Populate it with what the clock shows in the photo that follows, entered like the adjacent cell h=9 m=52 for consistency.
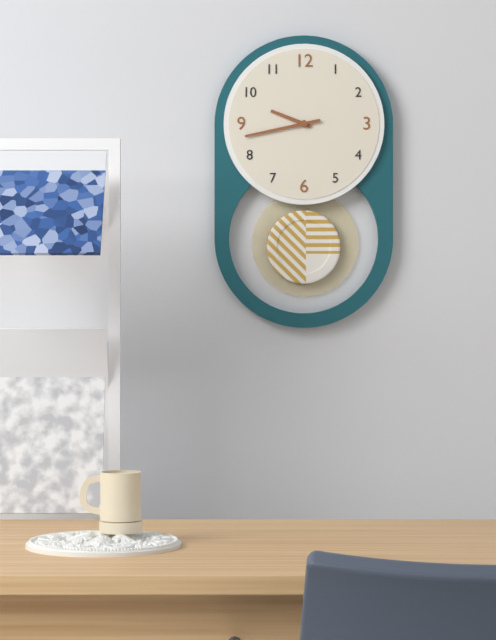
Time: h=9 m=43
